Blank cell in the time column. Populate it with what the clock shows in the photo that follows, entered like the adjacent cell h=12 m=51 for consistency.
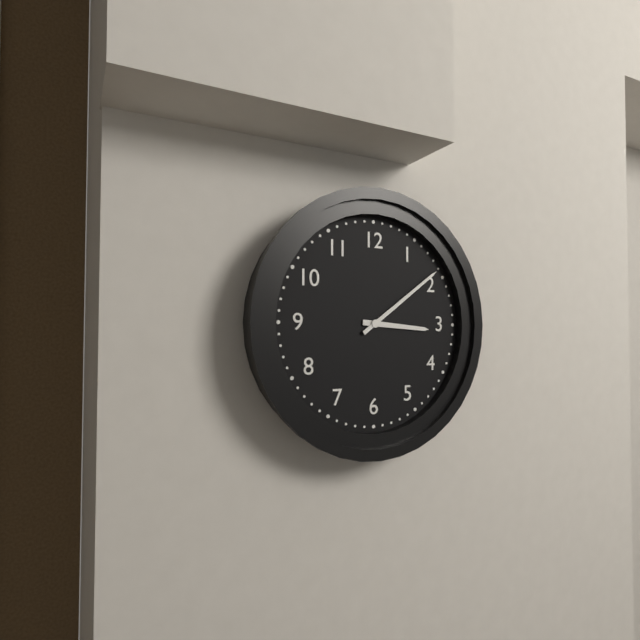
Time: h=3 m=9
